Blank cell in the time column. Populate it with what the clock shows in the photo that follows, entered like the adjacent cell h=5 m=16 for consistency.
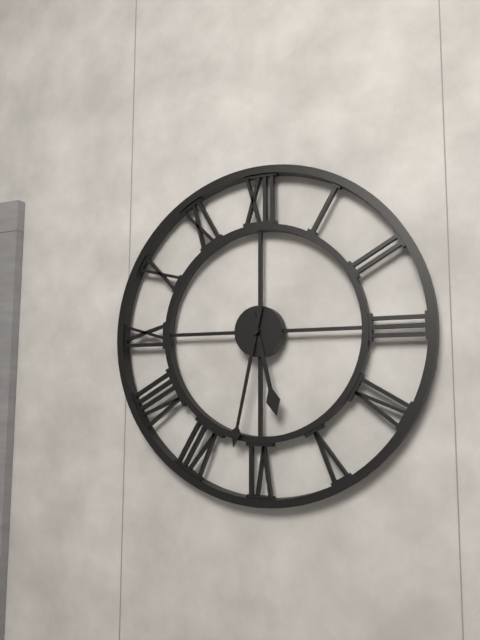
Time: h=5 m=32
